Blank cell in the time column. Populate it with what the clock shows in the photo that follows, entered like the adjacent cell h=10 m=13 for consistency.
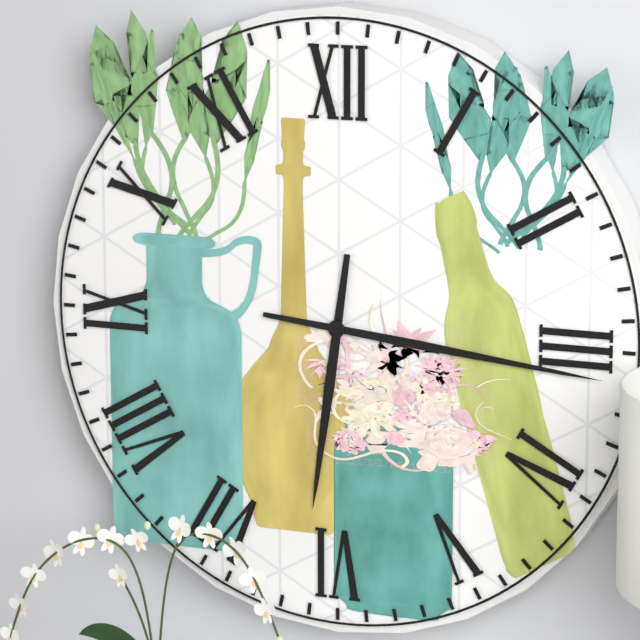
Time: h=6 m=16
